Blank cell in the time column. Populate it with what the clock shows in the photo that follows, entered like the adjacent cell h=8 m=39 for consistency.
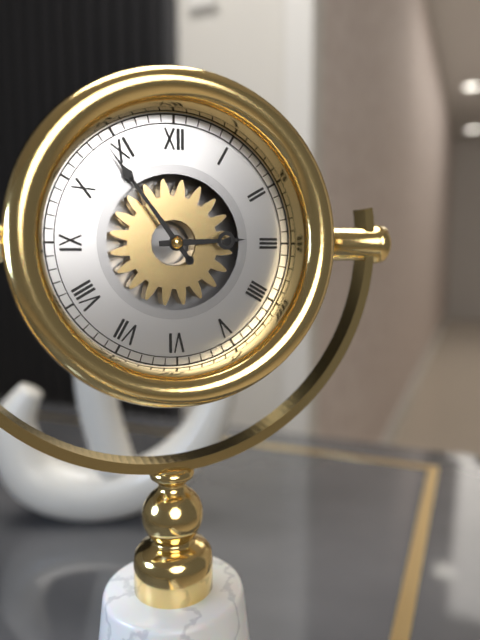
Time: h=2 m=54
